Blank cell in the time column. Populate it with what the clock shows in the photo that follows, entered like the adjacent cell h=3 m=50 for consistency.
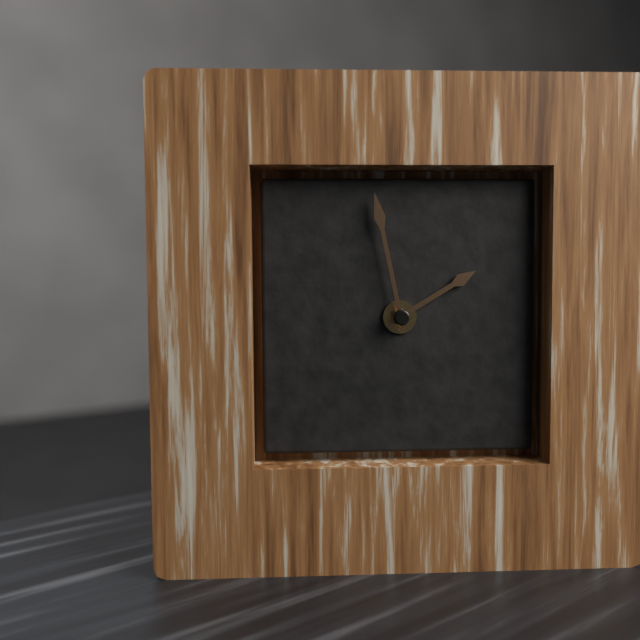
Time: h=1 m=58
